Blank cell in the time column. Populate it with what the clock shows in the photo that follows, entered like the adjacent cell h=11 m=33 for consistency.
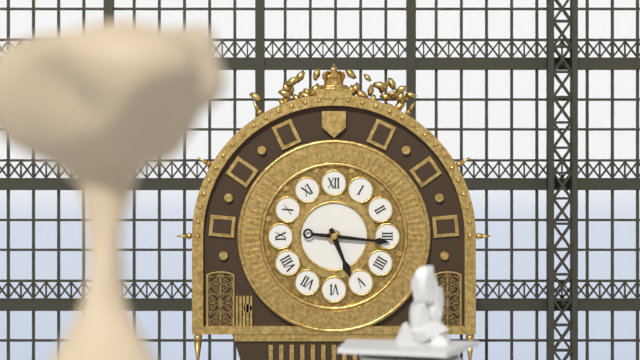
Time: h=5 m=16
